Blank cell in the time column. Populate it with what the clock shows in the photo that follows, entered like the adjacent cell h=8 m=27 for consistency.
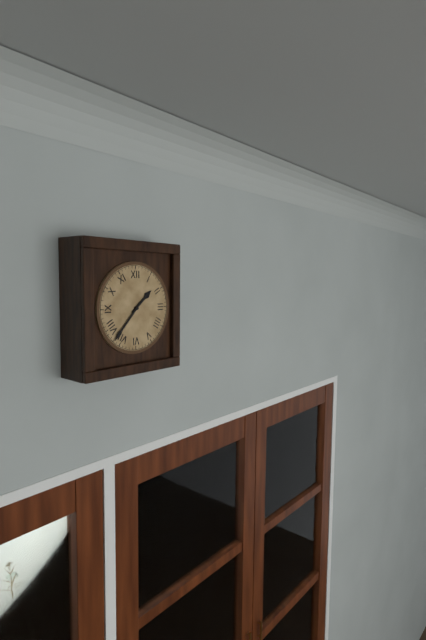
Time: h=1 m=37
